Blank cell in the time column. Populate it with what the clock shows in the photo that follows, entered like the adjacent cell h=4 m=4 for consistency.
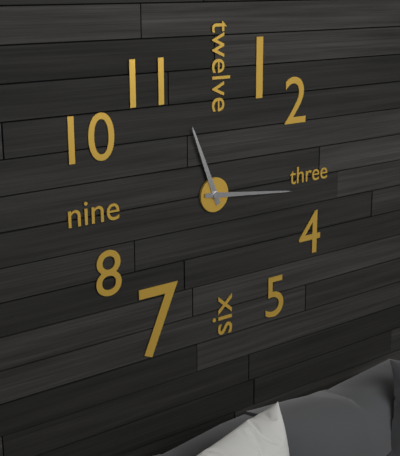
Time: h=11 m=16
